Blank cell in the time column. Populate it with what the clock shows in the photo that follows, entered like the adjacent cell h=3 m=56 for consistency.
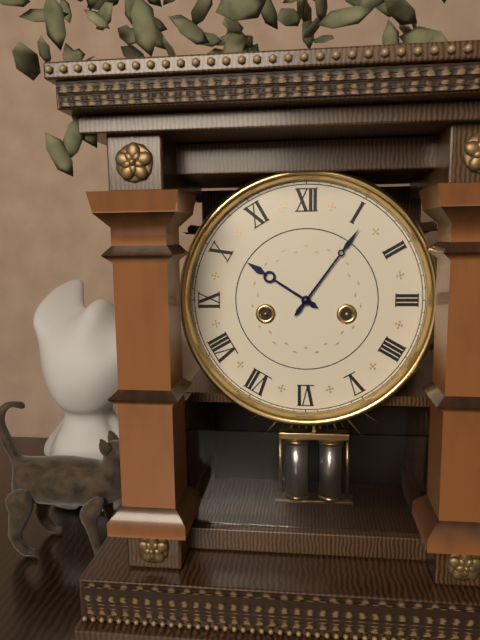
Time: h=10 m=6
